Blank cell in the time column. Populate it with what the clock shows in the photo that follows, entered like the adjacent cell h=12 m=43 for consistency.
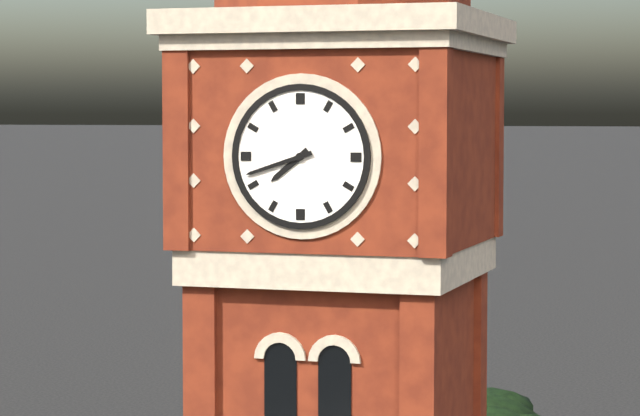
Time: h=7 m=42
